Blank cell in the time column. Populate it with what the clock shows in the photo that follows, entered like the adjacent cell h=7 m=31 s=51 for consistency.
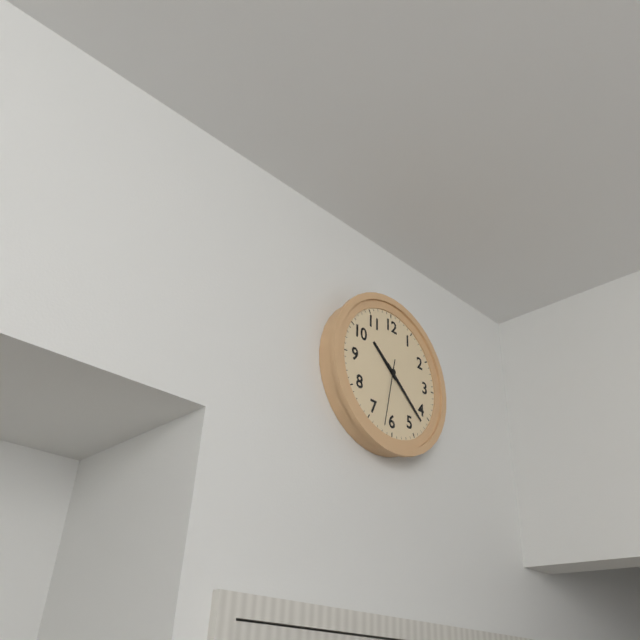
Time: h=10 m=22 s=32
